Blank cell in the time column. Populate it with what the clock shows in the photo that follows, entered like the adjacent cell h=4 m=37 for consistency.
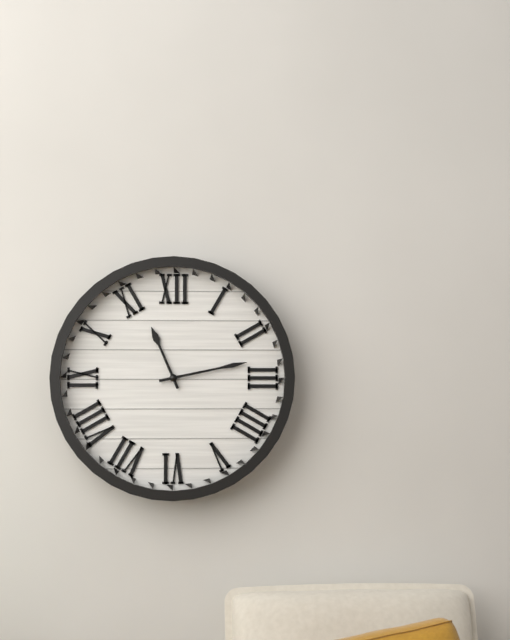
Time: h=11 m=13
